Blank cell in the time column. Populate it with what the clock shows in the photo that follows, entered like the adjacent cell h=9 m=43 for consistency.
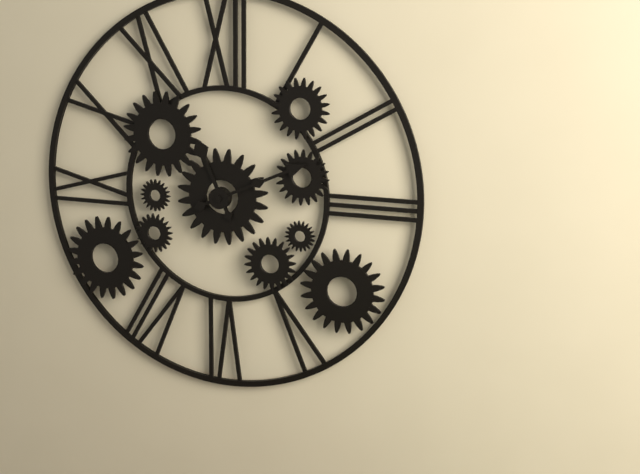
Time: h=11 m=11
